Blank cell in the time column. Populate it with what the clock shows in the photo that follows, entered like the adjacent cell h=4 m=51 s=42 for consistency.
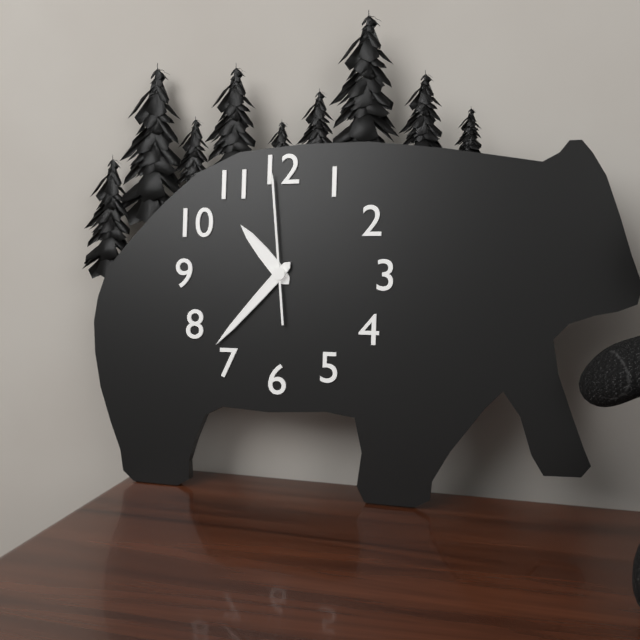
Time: h=10 m=37 s=59
